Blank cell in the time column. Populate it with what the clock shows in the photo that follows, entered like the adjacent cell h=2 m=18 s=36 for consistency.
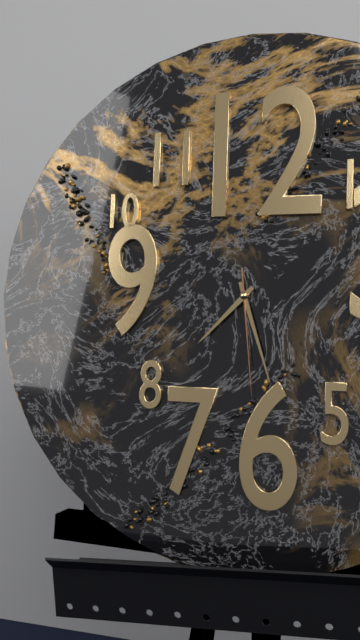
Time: h=7 m=27 s=29
